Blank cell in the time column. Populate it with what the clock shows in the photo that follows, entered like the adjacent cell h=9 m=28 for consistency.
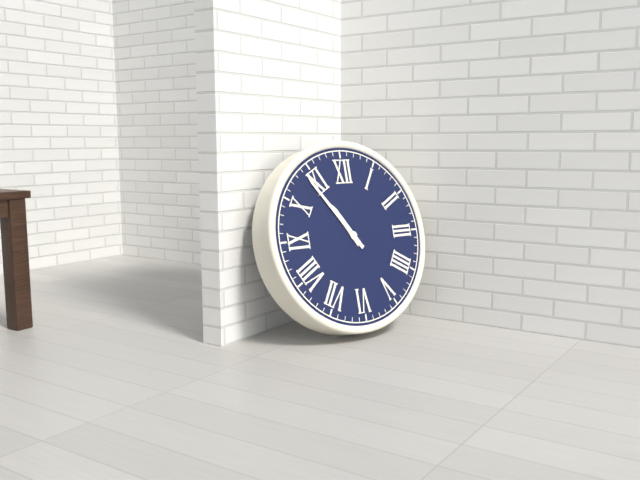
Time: h=10 m=54
